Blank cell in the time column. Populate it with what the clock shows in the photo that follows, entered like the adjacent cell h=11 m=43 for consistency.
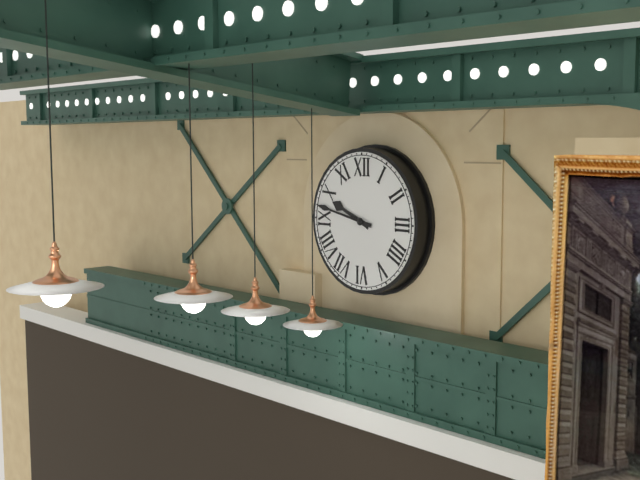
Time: h=9 m=47
